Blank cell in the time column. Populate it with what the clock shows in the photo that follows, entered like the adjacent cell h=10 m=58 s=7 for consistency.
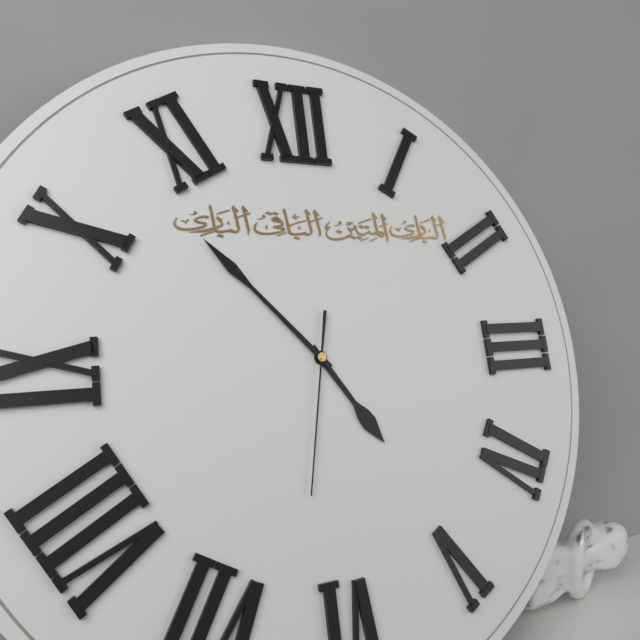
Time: h=4 m=53 s=32
